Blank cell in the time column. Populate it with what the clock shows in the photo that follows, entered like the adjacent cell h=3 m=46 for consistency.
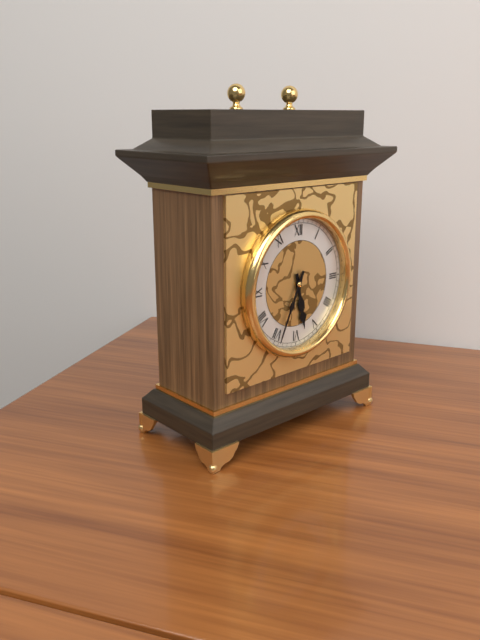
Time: h=5 m=34
